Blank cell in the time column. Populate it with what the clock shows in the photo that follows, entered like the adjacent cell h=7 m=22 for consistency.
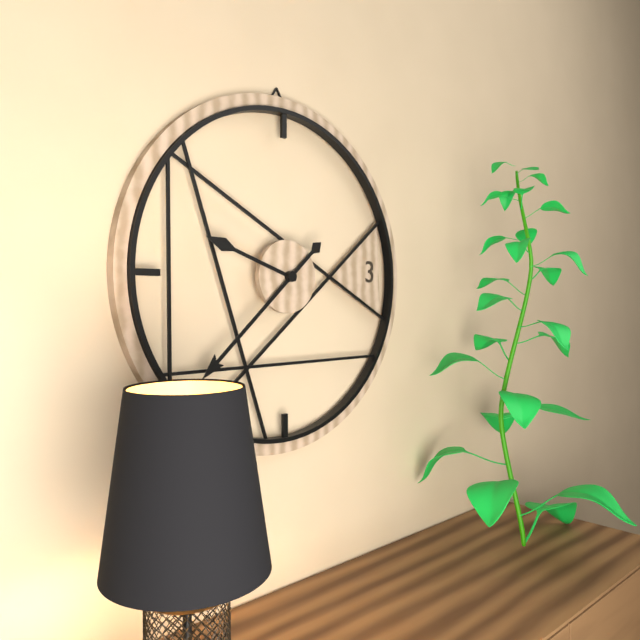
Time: h=9 m=38
